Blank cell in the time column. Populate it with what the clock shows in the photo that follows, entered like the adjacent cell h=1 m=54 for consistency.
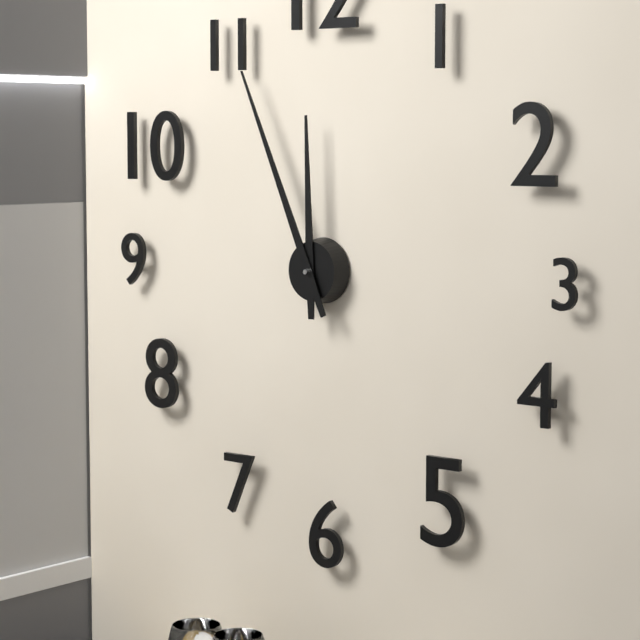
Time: h=11 m=56
